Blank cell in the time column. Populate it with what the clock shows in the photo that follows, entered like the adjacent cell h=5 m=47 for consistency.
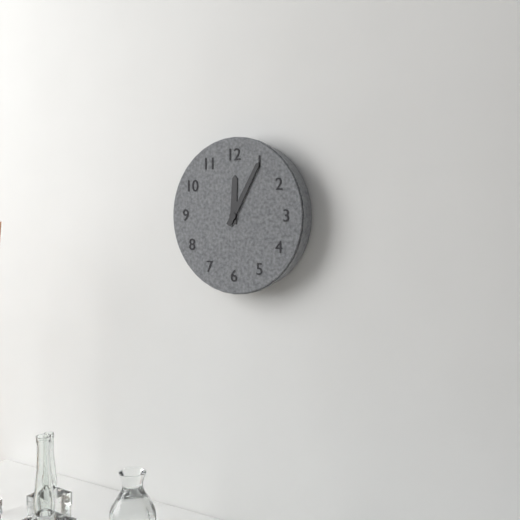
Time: h=12 m=5
